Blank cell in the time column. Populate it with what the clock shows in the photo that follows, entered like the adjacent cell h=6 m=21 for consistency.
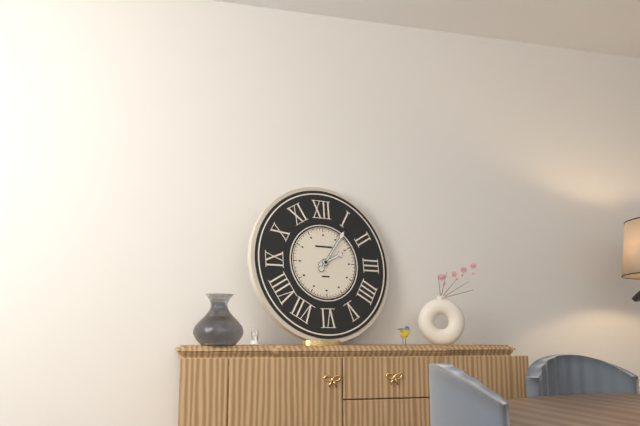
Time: h=2 m=6
